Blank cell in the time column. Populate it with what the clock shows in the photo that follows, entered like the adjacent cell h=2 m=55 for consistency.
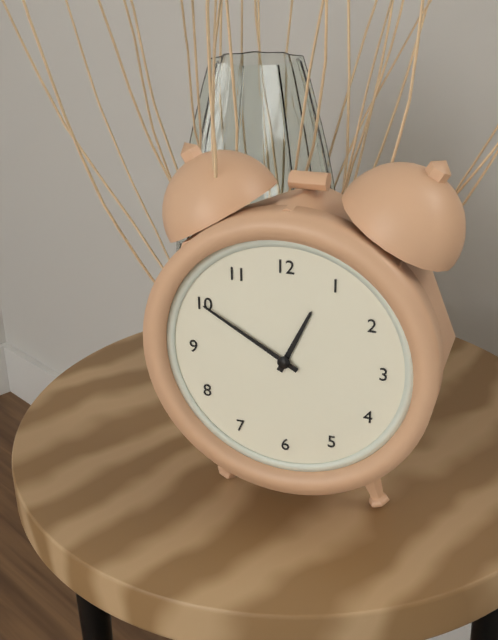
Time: h=12 m=50
